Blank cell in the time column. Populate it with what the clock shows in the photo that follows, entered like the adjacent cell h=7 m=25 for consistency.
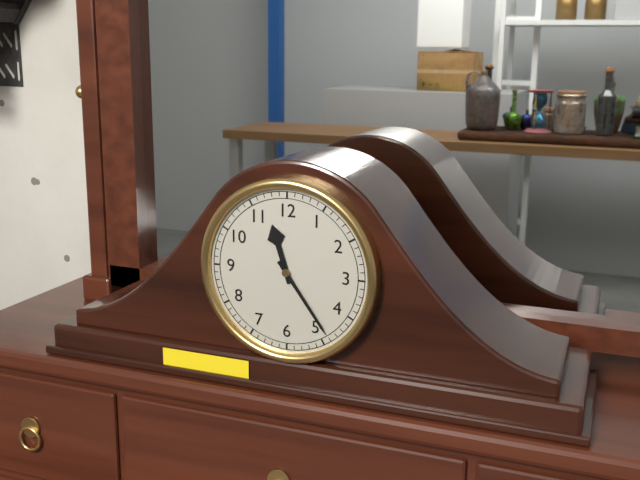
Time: h=11 m=24
